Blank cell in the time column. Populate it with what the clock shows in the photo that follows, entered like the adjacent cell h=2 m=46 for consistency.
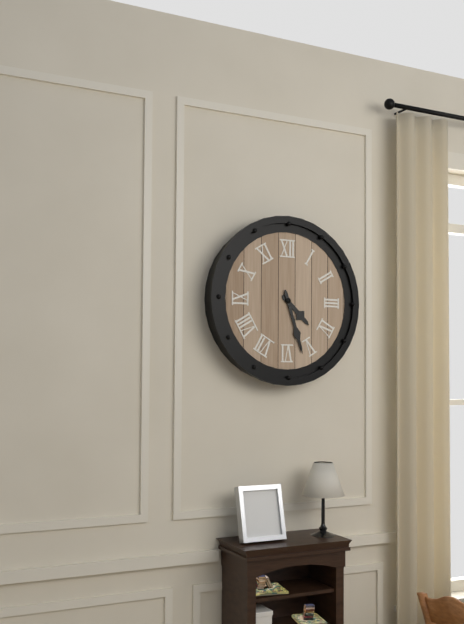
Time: h=4 m=27
